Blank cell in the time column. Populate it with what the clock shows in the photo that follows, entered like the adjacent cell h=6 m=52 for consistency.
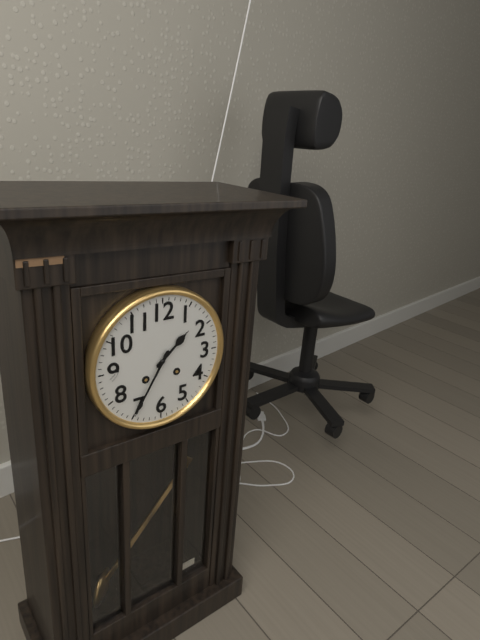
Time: h=1 m=35
